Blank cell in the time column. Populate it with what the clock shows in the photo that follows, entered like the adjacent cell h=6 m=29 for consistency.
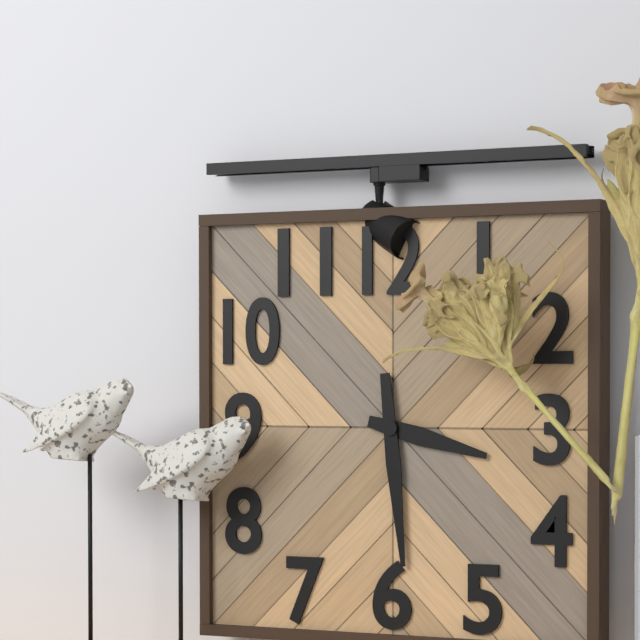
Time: h=3 m=29
